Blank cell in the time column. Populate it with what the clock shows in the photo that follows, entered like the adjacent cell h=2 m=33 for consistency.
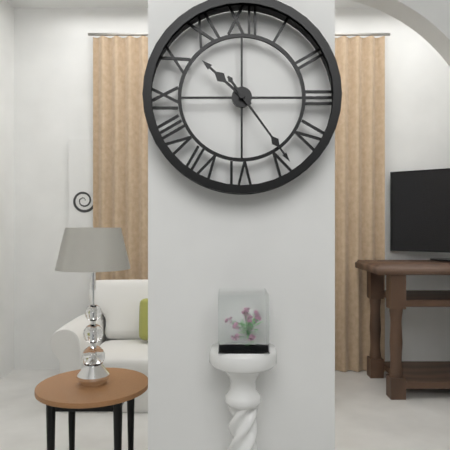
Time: h=10 m=24
